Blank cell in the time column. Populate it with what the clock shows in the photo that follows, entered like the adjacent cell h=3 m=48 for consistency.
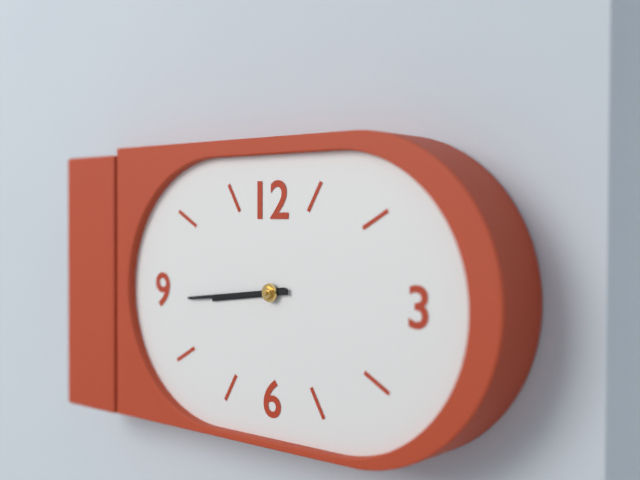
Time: h=8 m=44
